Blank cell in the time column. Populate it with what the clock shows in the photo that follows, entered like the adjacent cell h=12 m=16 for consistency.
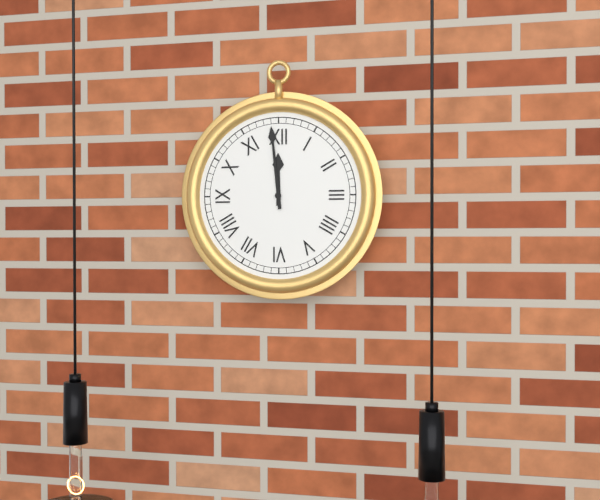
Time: h=11 m=59
